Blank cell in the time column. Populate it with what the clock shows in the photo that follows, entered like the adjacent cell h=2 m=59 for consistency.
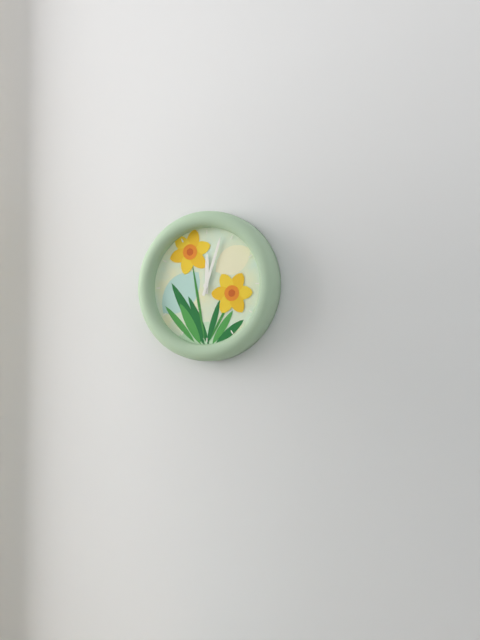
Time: h=12 m=3
